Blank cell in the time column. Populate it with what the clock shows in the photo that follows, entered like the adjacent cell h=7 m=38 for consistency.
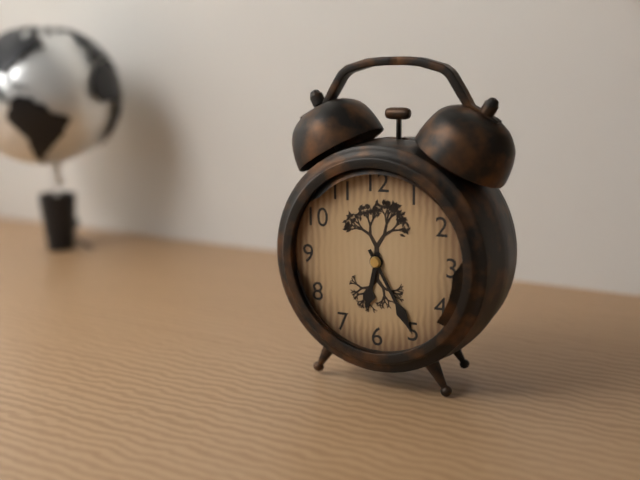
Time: h=6 m=25
